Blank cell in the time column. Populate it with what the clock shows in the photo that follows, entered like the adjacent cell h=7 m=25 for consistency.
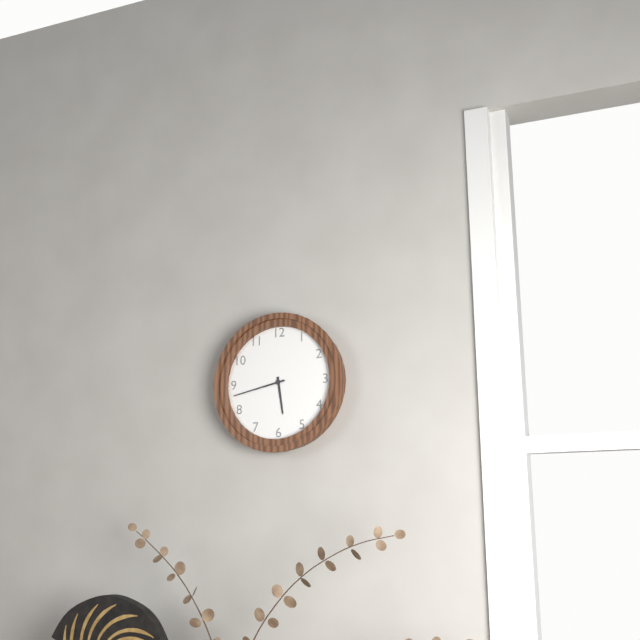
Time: h=5 m=43
